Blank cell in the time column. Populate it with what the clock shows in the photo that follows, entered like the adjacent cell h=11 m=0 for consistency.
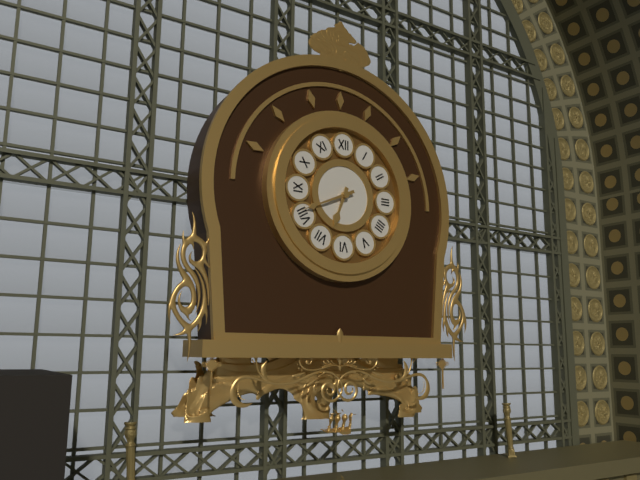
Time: h=6 m=41
